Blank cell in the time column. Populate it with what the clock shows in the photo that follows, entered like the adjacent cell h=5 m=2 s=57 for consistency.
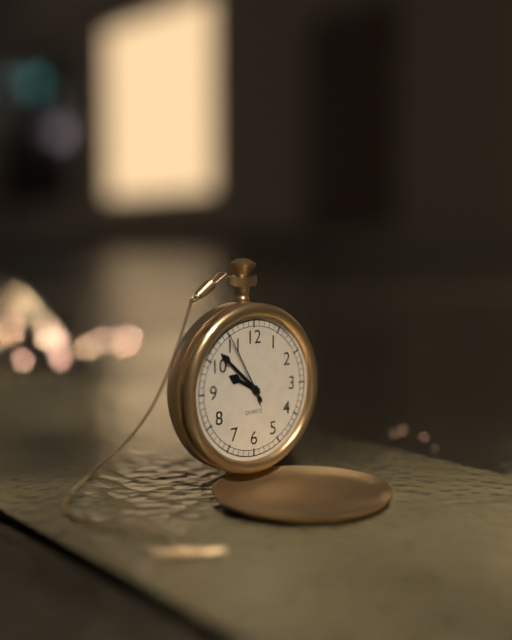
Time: h=9 m=52 s=55
